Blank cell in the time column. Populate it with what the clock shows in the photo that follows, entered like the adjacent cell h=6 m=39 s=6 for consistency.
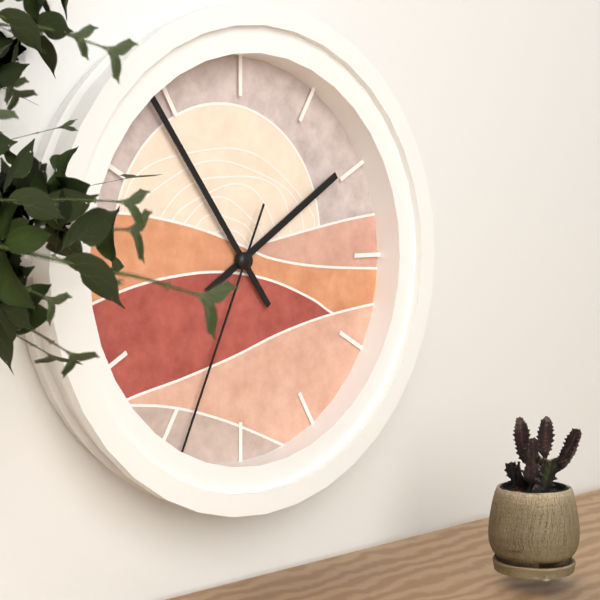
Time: h=1 m=54 s=34
